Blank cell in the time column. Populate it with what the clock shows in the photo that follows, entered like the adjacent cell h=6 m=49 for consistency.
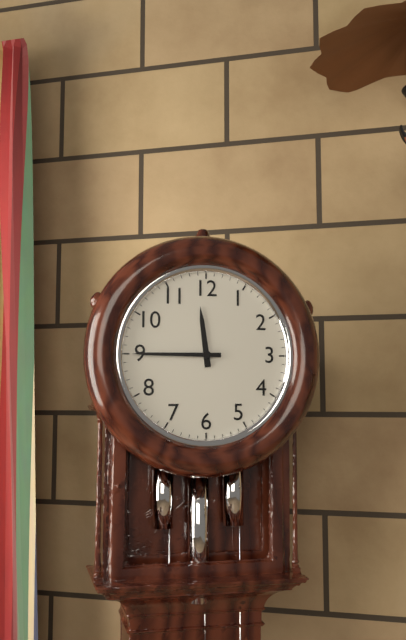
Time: h=11 m=45
